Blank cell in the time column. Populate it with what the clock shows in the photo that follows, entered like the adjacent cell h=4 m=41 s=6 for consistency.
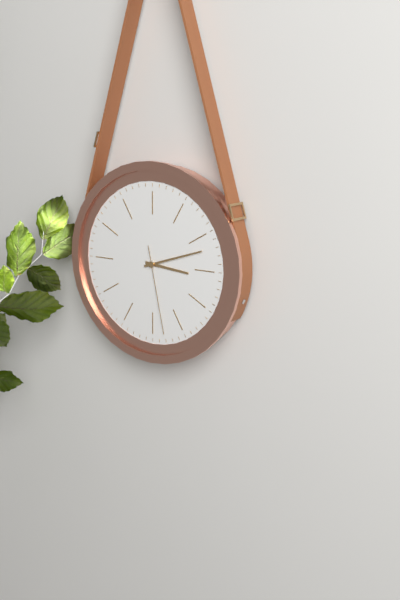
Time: h=3 m=12 s=28
